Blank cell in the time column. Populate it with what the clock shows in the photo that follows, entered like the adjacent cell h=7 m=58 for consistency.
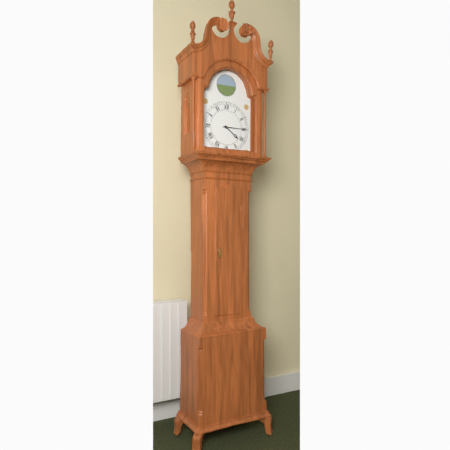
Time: h=4 m=15
